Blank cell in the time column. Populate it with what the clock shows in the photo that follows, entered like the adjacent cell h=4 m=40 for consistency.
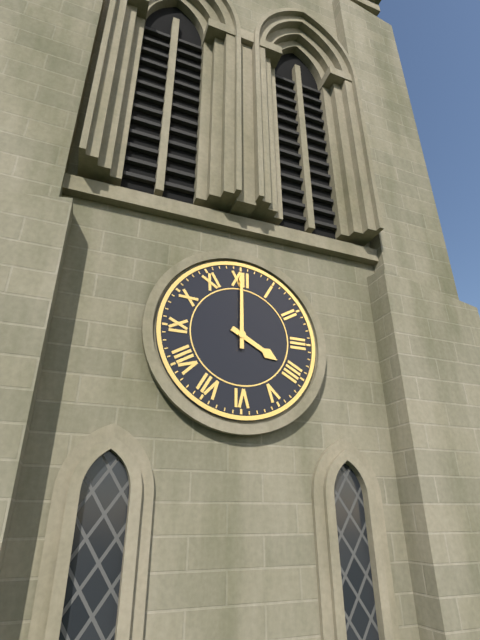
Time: h=4 m=0
